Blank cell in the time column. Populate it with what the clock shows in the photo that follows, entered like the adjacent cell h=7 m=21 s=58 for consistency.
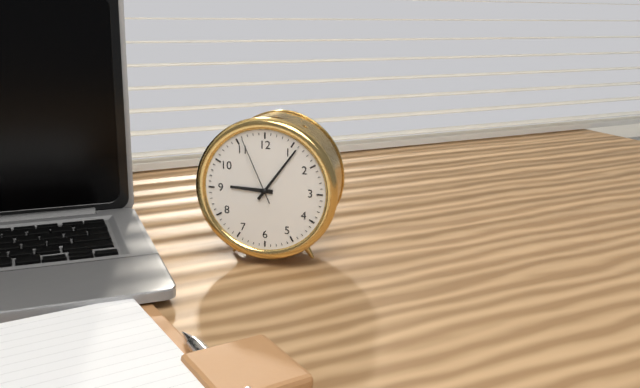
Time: h=9 m=6 s=56
